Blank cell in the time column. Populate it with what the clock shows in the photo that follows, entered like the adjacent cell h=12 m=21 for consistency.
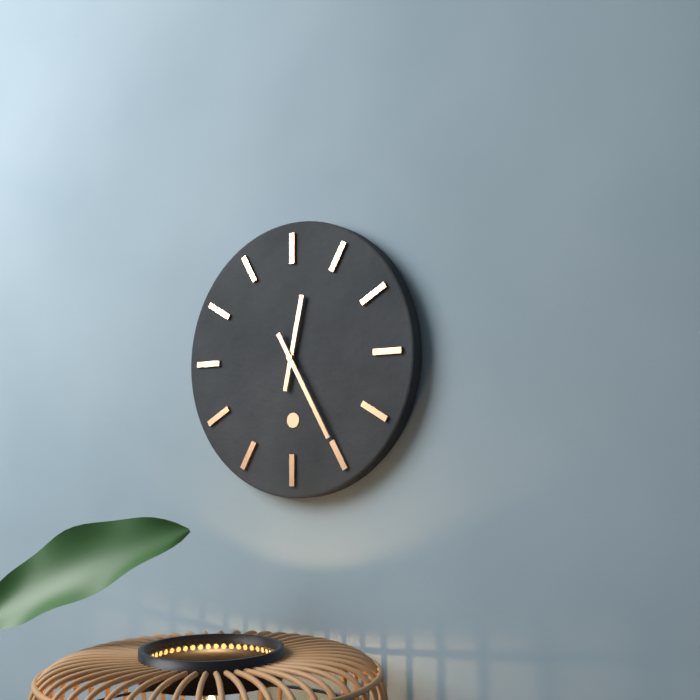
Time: h=12 m=25
